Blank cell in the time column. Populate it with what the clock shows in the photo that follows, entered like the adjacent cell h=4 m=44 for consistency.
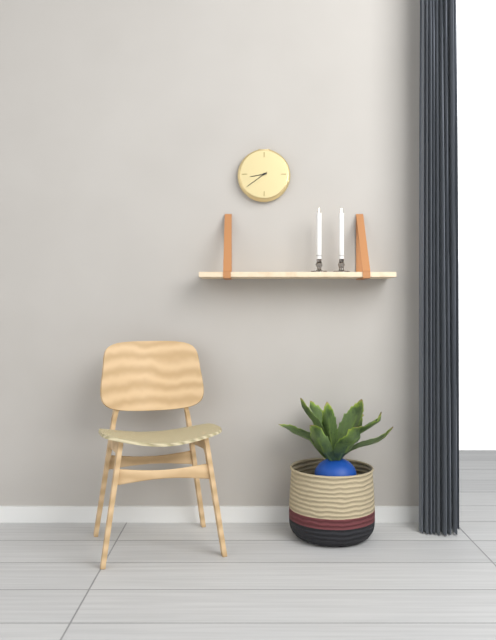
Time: h=8 m=39
